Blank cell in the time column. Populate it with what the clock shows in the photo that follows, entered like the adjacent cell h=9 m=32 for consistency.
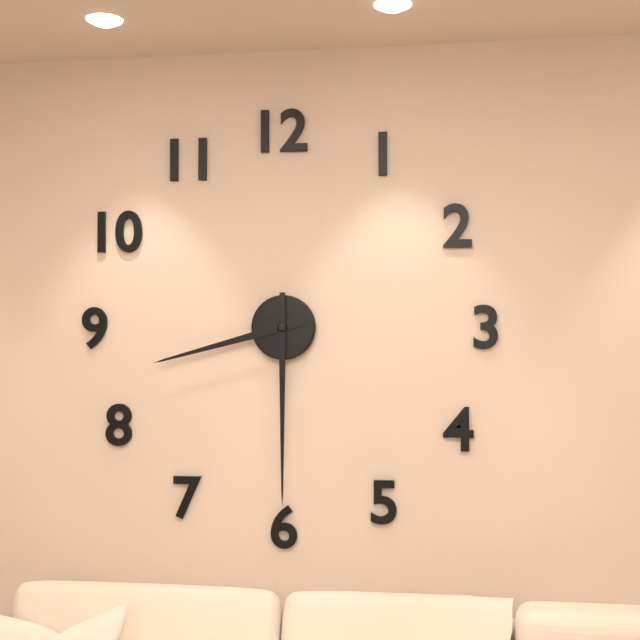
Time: h=8 m=30
